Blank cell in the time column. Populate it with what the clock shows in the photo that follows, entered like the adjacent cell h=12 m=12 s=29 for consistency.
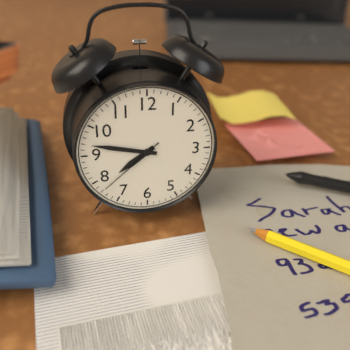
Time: h=7 m=47 s=38
